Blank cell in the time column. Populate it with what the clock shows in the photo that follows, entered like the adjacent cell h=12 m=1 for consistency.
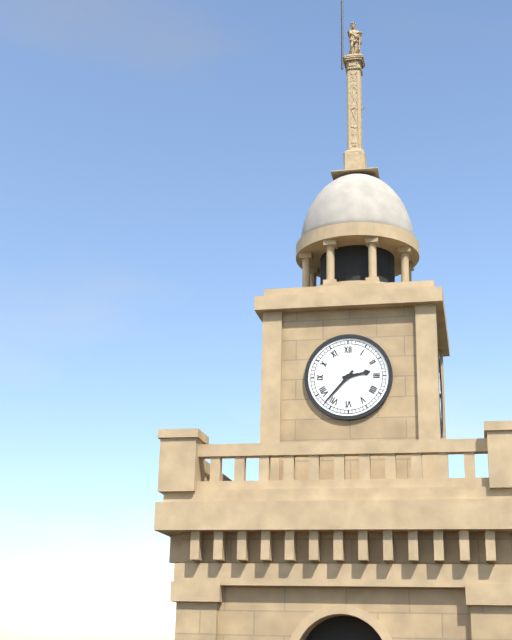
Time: h=2 m=37
